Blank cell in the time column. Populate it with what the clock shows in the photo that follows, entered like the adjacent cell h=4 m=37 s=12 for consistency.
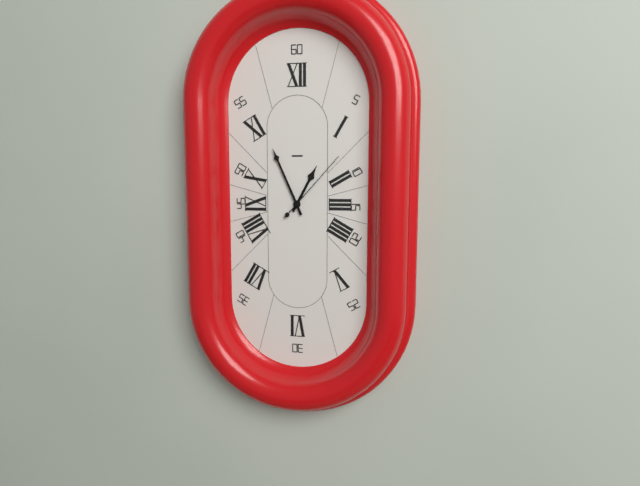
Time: h=12 m=56 s=7
